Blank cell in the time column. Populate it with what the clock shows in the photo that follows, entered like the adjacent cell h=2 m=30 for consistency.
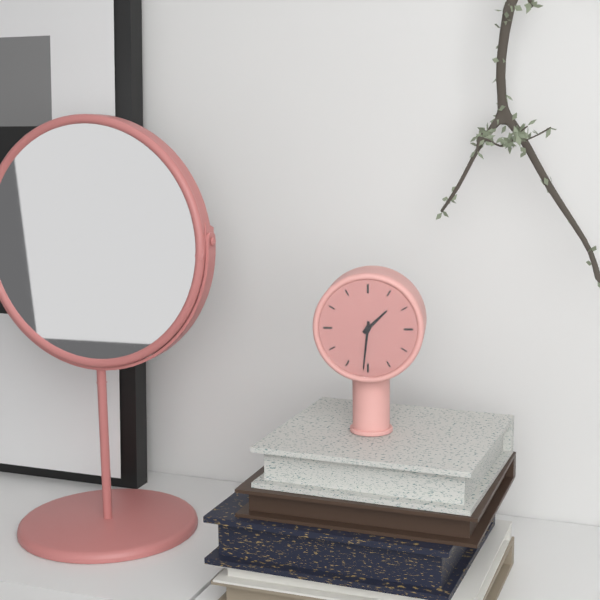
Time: h=1 m=31
